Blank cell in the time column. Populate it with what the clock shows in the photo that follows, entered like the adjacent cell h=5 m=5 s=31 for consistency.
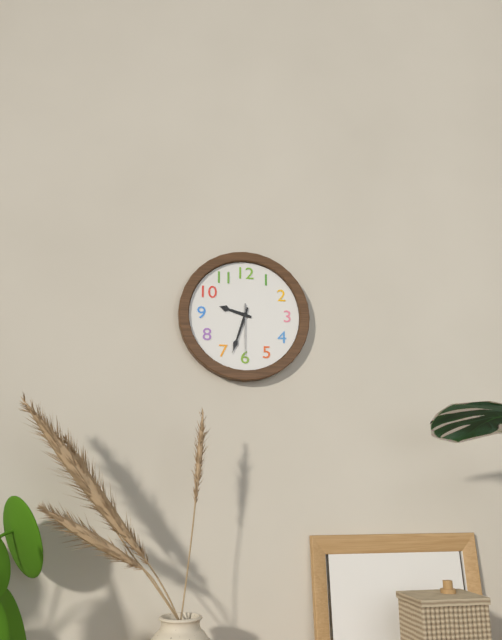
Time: h=9 m=33 s=30
